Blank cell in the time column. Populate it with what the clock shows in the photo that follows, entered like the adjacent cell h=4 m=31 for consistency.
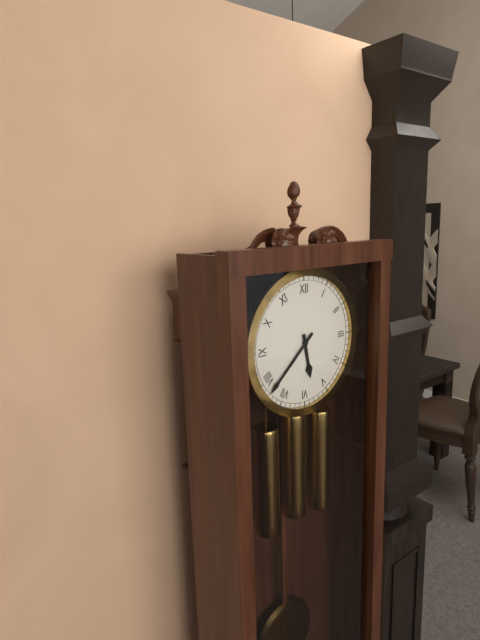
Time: h=5 m=38
